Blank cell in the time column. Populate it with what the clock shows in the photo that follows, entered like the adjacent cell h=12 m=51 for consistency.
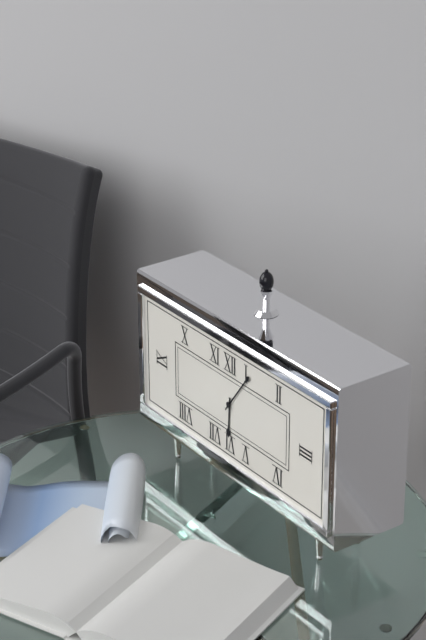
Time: h=6 m=6
